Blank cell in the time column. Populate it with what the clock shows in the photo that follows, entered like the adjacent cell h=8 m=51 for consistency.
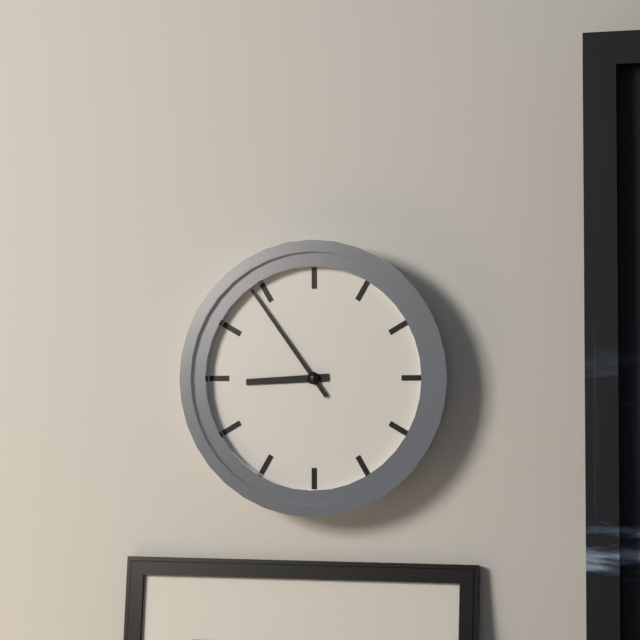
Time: h=8 m=54
